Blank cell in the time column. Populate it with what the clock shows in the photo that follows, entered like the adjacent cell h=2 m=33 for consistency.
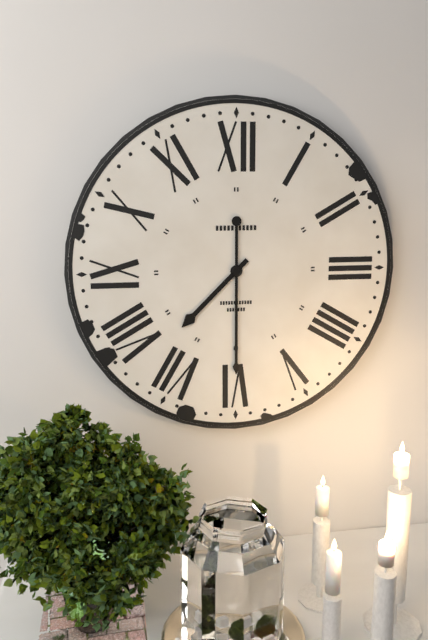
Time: h=7 m=30
